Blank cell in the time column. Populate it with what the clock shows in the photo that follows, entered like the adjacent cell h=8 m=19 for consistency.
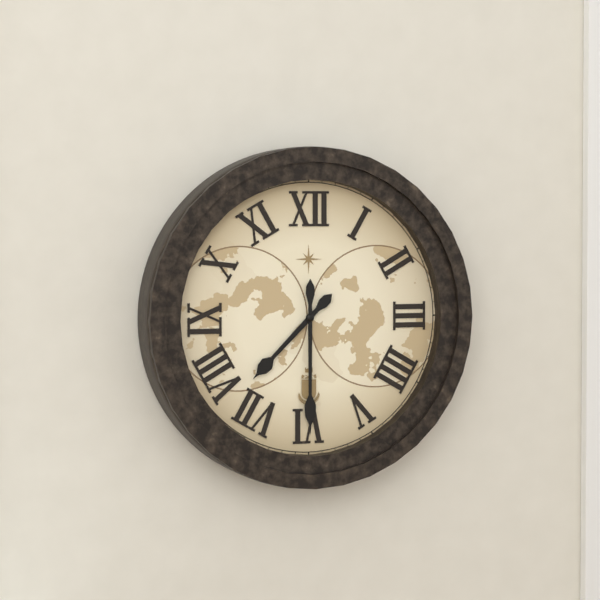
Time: h=7 m=30
